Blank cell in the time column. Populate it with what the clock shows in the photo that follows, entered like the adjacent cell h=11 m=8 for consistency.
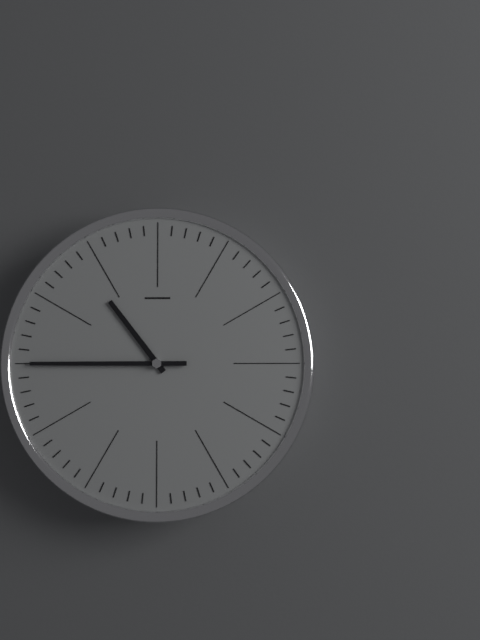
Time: h=10 m=45
